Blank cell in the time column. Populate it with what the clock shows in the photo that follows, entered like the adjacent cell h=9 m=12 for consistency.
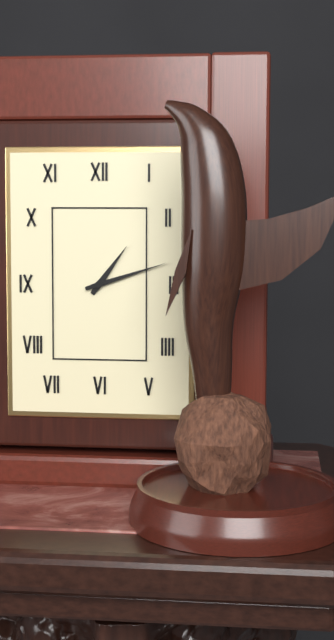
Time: h=1 m=12
